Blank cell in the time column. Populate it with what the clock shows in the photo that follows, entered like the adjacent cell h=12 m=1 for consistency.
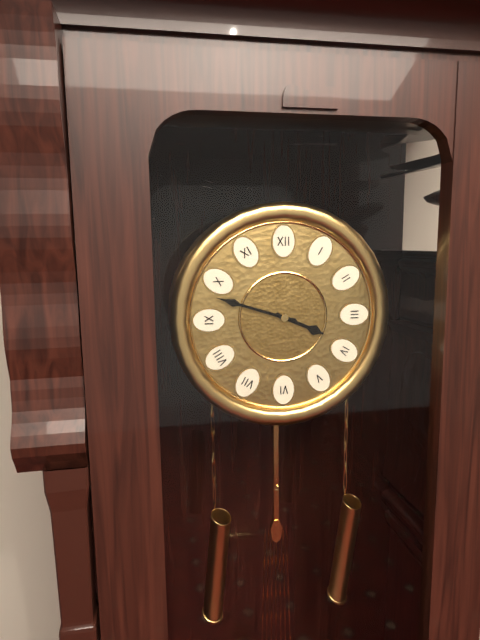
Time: h=3 m=48
